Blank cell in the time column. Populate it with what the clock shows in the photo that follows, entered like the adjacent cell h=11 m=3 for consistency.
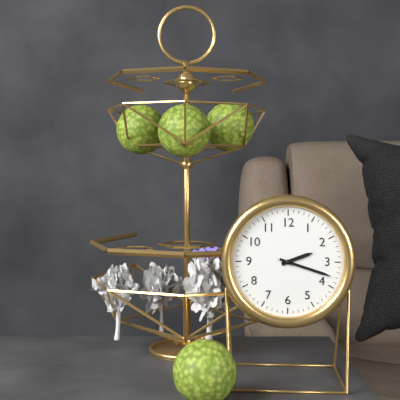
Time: h=2 m=18
